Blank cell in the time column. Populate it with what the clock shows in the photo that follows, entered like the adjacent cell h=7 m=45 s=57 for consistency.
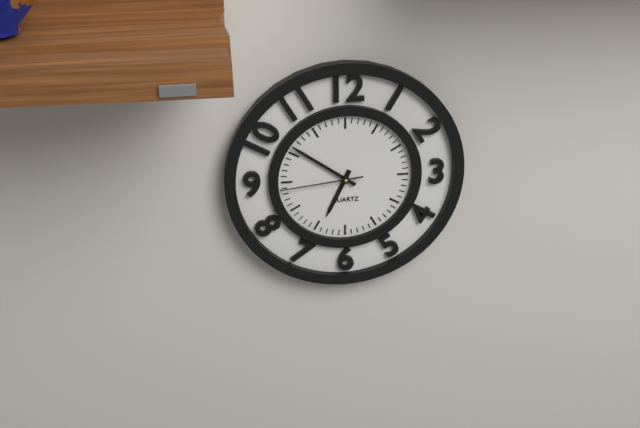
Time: h=6 m=51 s=44
